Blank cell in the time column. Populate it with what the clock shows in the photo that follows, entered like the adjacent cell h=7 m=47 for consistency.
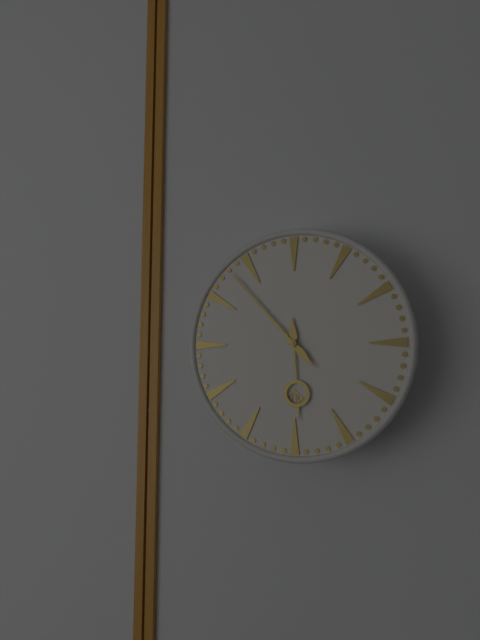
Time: h=5 m=53
